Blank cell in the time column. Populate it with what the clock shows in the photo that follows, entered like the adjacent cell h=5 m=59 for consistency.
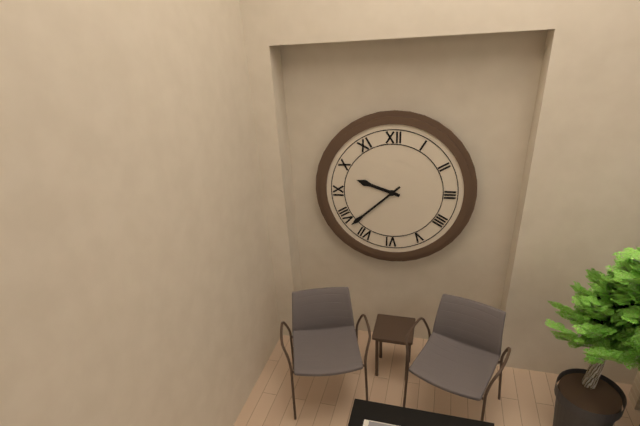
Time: h=9 m=38
